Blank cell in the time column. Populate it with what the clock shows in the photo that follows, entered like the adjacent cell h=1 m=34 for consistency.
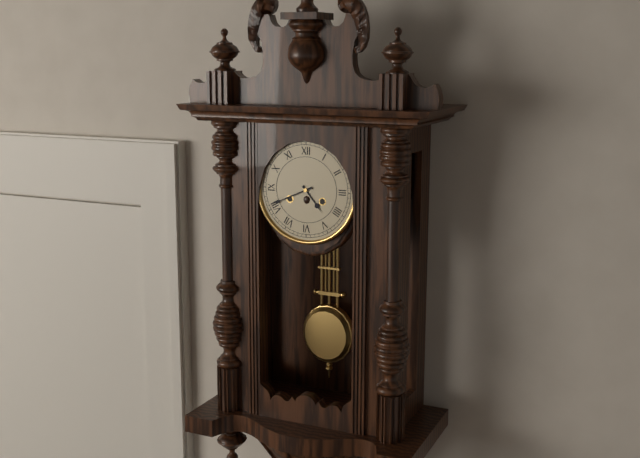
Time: h=4 m=41
